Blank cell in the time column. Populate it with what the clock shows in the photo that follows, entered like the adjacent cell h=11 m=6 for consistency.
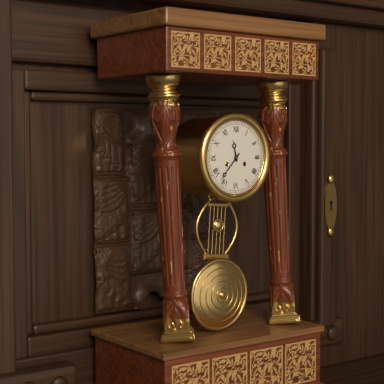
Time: h=11 m=37
